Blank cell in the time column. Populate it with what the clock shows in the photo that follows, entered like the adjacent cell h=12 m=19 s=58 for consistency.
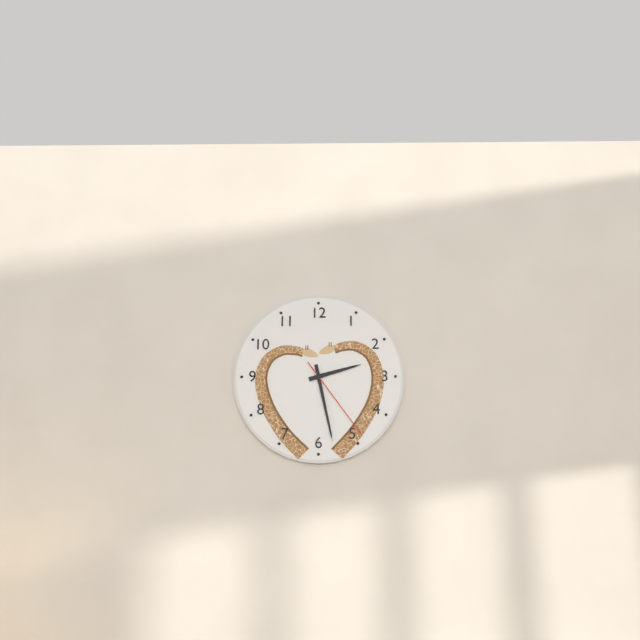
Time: h=2 m=28 s=24
